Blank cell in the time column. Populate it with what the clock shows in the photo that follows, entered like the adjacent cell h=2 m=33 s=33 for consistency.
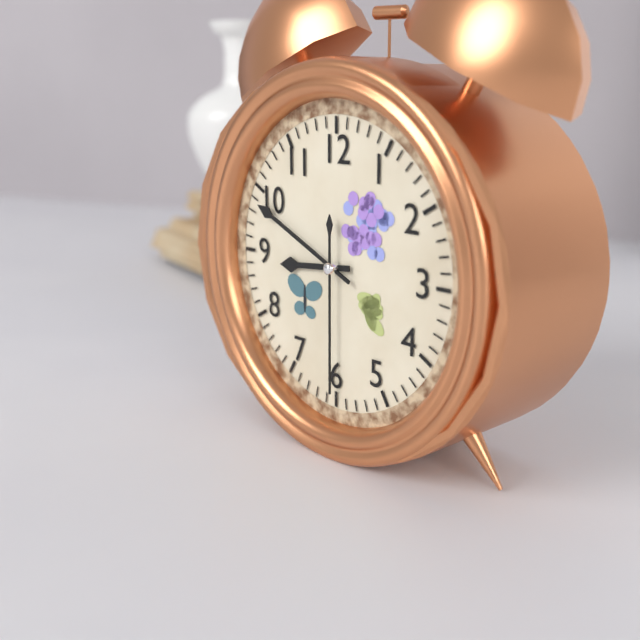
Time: h=8 m=49 s=30
